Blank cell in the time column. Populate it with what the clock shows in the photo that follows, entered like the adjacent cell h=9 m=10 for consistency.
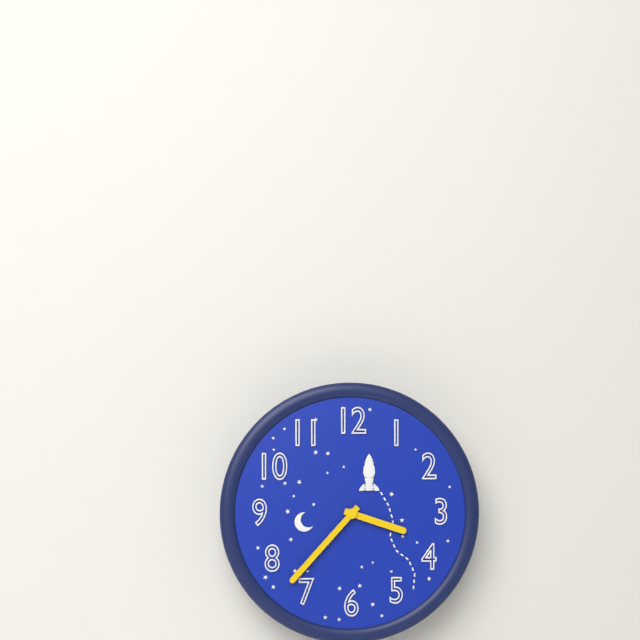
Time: h=3 m=37
